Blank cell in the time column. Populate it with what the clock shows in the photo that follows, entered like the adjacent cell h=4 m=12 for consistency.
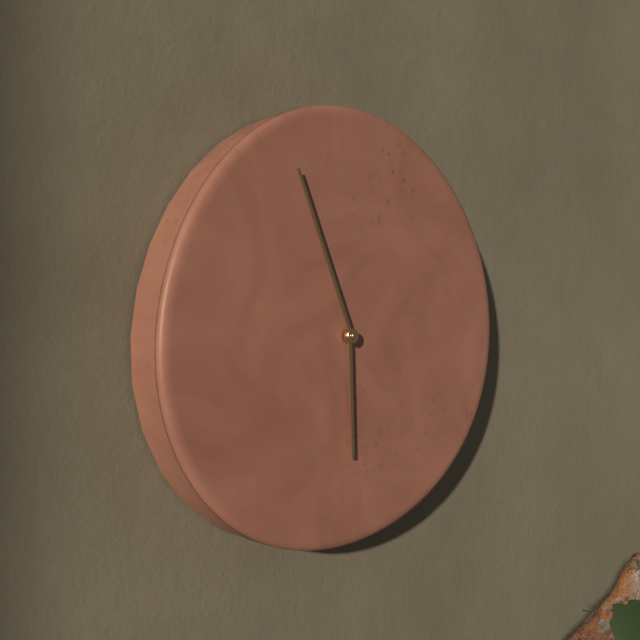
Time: h=5 m=56
